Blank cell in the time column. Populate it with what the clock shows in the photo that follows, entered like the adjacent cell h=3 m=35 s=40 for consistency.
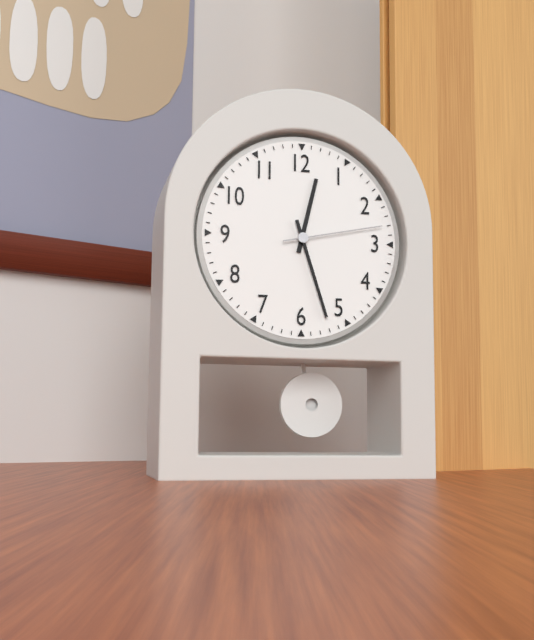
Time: h=12 m=27 s=13
